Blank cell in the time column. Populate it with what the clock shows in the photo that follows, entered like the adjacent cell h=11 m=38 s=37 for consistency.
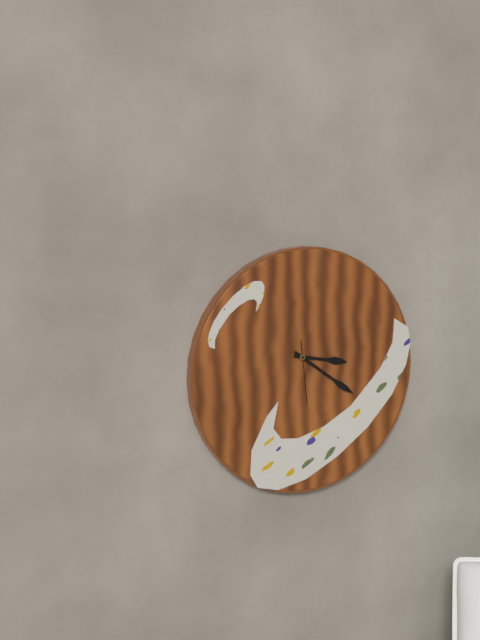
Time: h=3 m=21 s=29
